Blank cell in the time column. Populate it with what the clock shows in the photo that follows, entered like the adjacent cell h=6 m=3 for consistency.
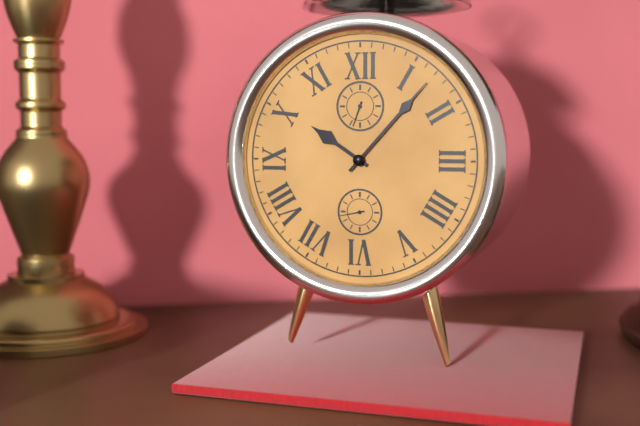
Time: h=10 m=7
